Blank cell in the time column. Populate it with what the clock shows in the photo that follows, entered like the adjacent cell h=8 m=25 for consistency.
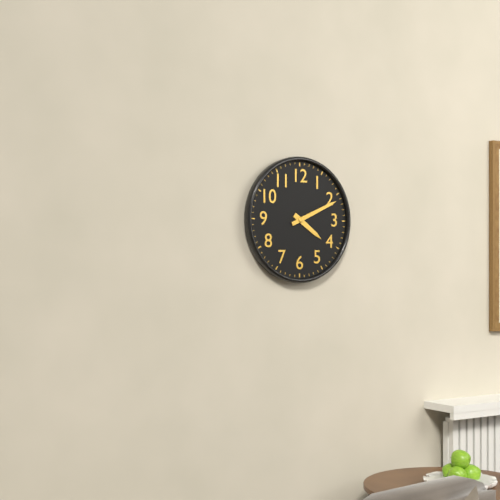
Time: h=4 m=11
